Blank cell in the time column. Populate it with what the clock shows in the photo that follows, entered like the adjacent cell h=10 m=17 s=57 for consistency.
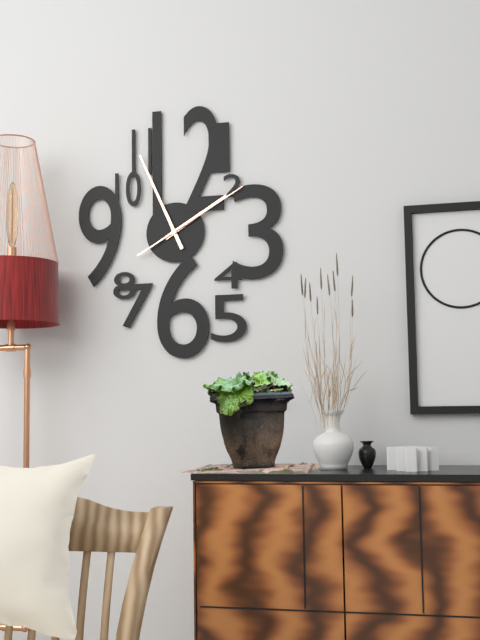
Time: h=1 m=56 s=10
